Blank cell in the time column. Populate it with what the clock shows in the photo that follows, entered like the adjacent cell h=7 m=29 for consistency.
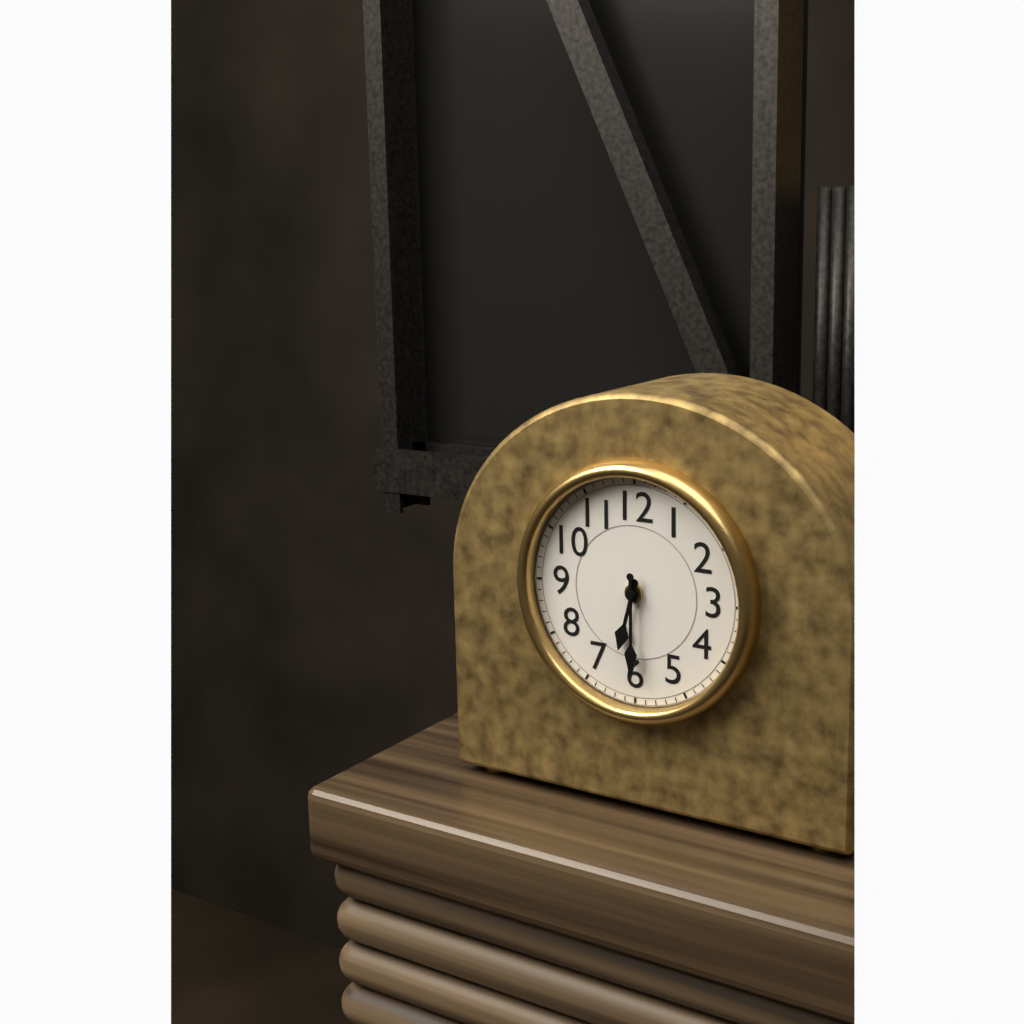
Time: h=6 m=30
